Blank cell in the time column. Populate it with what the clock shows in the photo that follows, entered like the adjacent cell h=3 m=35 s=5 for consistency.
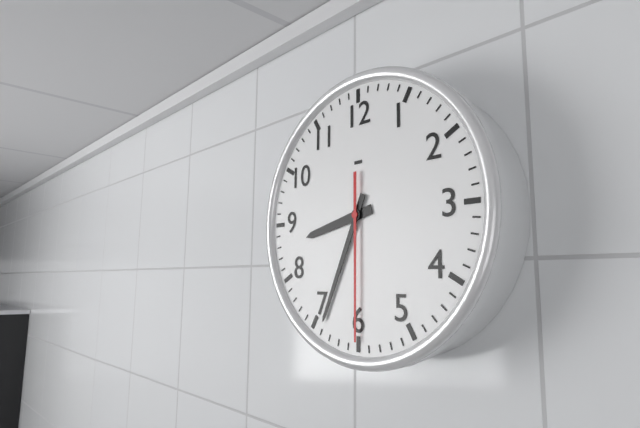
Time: h=8 m=34 s=30
